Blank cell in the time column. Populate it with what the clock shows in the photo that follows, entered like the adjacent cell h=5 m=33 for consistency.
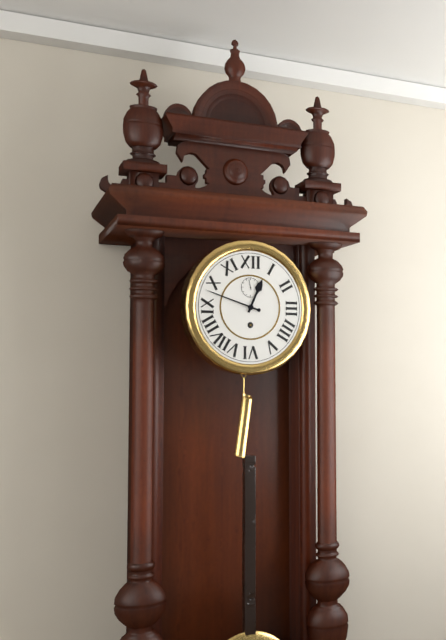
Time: h=12 m=48
